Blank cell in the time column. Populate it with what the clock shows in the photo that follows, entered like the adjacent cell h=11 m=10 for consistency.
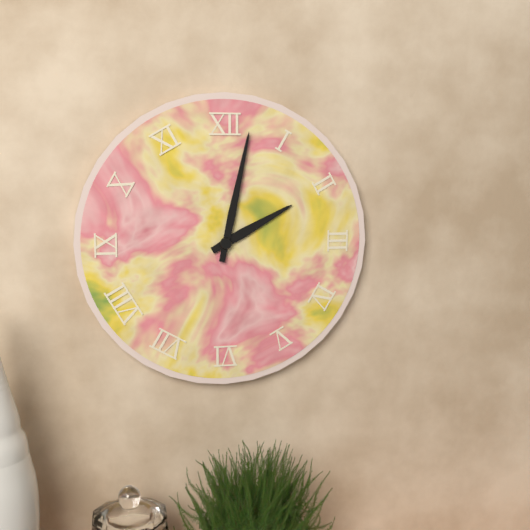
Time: h=2 m=2
